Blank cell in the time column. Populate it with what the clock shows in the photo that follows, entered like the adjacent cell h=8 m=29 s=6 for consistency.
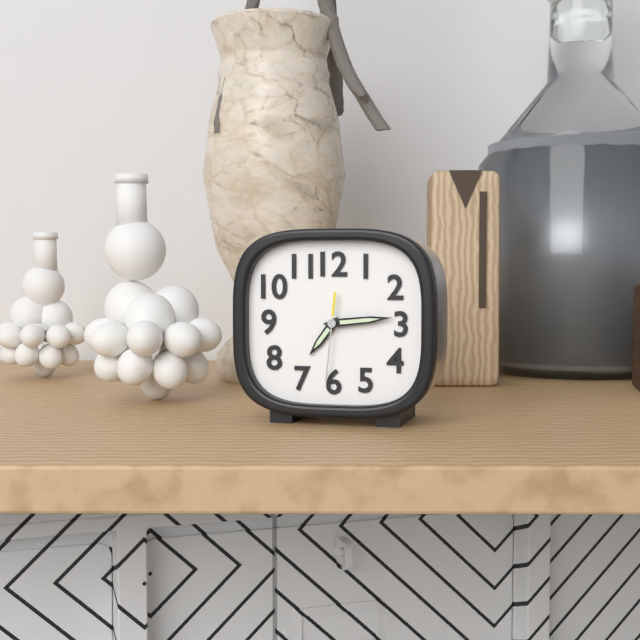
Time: h=7 m=14 s=31
